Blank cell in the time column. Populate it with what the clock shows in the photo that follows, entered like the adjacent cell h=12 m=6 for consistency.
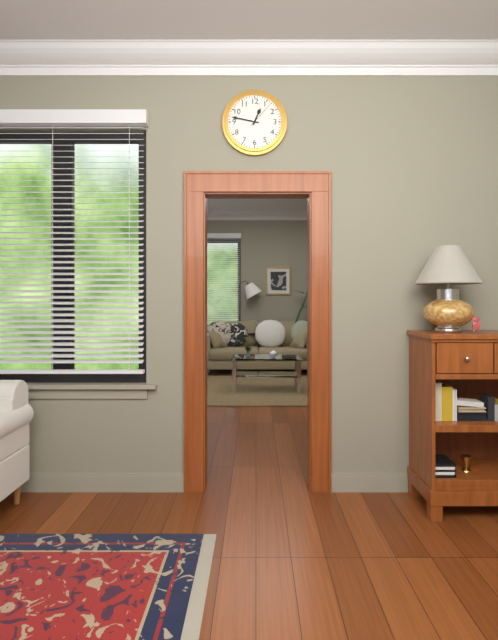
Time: h=12 m=47
